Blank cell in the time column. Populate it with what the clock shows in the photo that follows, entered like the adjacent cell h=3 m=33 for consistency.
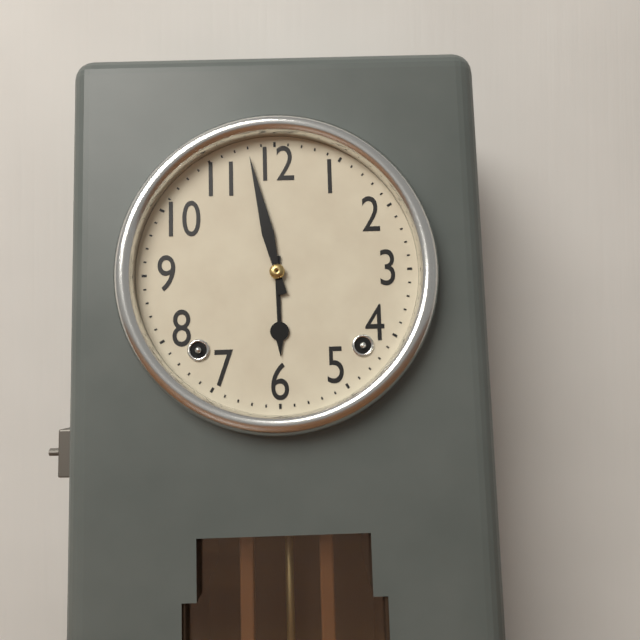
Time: h=5 m=58
